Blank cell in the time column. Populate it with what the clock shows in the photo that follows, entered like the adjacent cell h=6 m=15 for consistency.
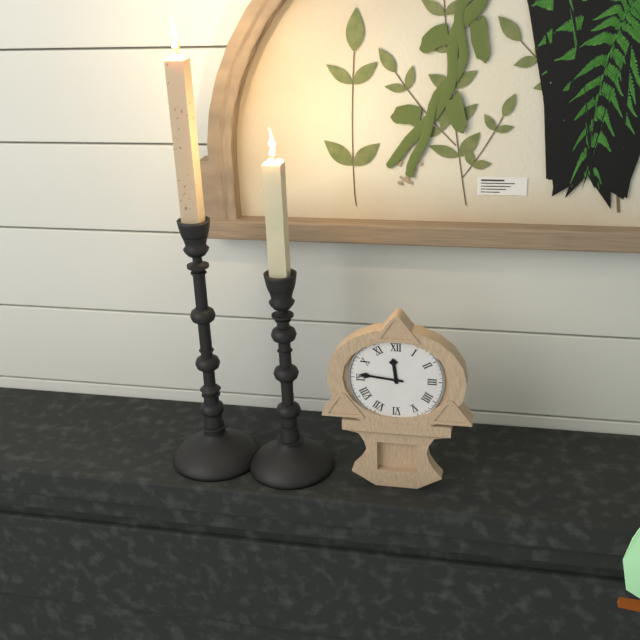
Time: h=11 m=46
